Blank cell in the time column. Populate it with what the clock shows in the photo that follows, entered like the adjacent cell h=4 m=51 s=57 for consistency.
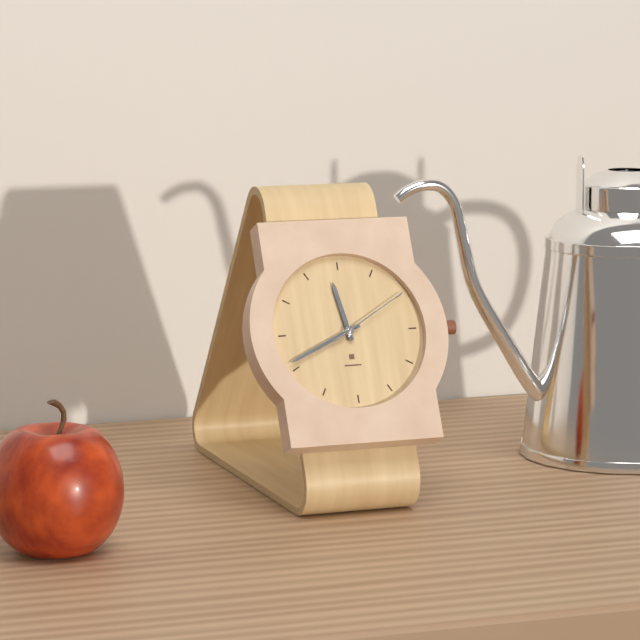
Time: h=11 m=41 s=10
